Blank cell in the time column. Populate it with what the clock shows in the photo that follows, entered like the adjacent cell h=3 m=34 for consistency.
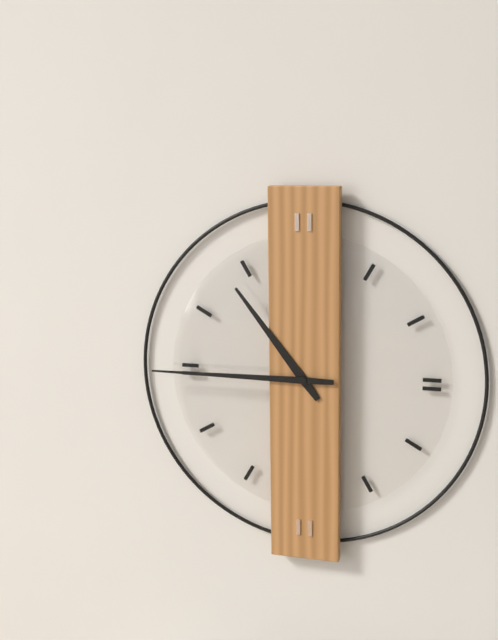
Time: h=10 m=45
